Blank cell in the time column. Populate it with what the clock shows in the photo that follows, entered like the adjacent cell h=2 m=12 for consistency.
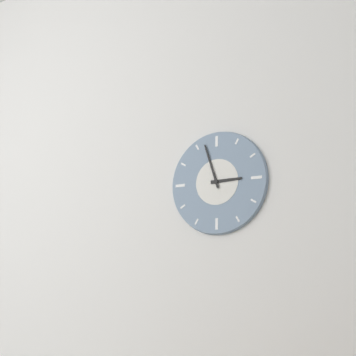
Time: h=2 m=57
